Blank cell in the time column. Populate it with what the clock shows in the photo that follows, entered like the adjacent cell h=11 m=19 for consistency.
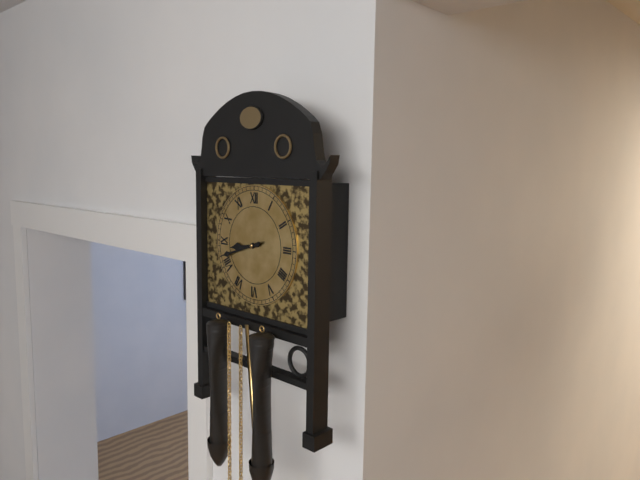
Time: h=8 m=42
